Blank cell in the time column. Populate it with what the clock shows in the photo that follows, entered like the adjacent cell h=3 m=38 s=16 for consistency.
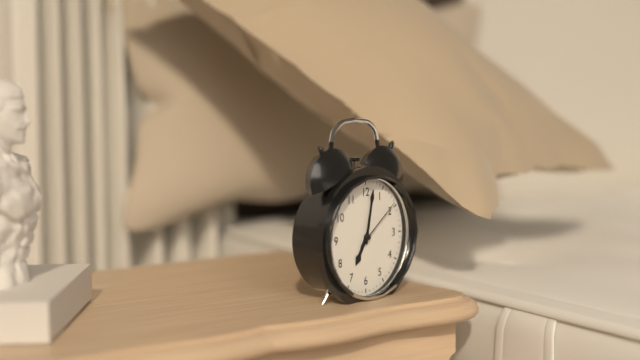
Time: h=7 m=2 s=9
